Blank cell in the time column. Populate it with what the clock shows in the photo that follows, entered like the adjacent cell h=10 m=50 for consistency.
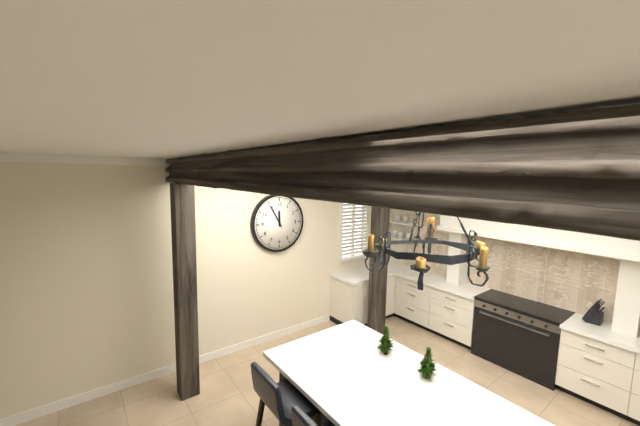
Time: h=11 m=55
